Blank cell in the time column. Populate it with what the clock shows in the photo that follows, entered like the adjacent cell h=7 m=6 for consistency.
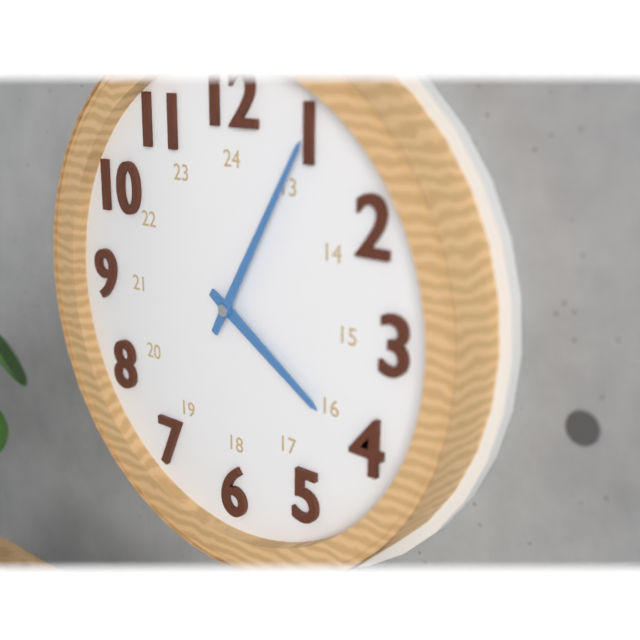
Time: h=4 m=5
